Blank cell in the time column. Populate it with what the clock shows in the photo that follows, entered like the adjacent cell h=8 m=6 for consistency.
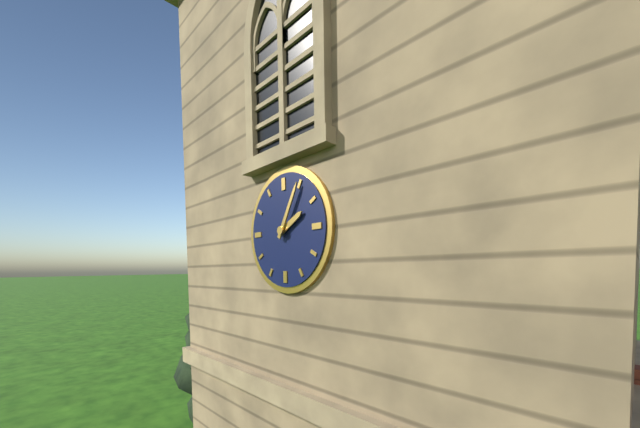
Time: h=2 m=5
